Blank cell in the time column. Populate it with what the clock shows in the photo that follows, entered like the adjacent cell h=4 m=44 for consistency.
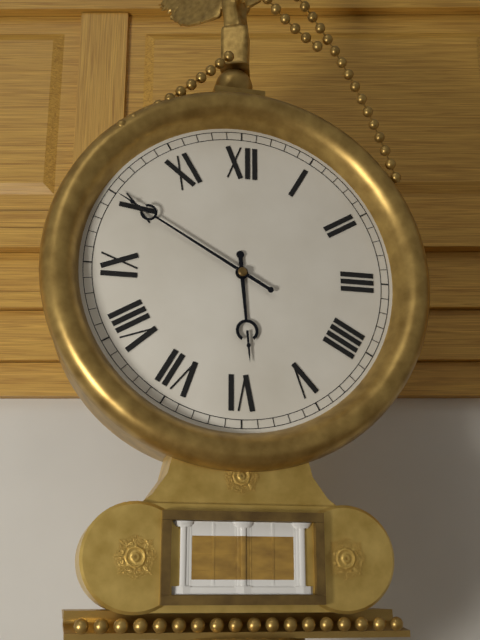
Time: h=5 m=50
